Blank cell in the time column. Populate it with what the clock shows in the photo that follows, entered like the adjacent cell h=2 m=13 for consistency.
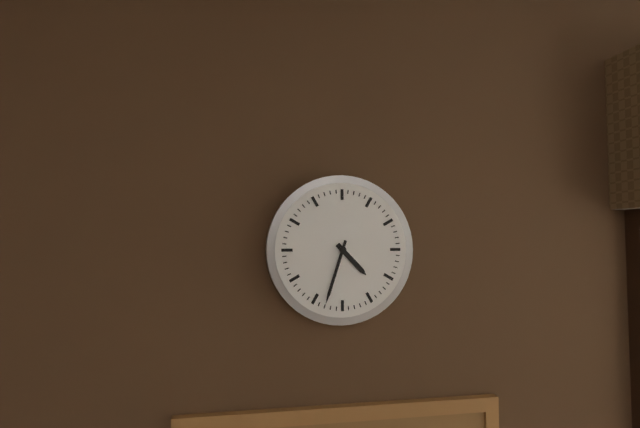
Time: h=4 m=33
